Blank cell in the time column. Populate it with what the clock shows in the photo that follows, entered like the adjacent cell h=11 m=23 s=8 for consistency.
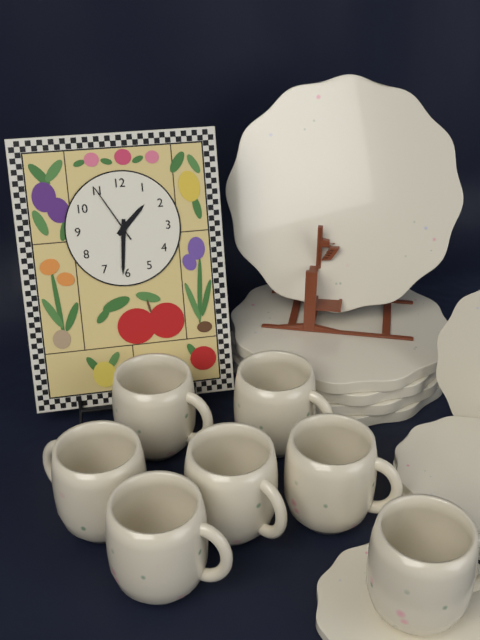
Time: h=1 m=31 s=55
